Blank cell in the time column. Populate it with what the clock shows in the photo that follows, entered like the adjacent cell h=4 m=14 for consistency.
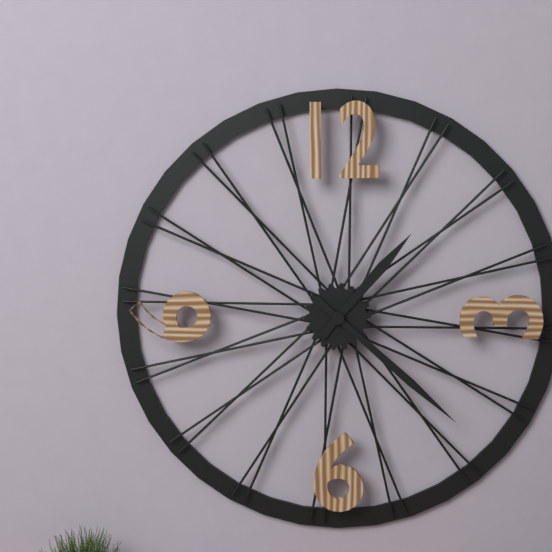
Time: h=1 m=22
